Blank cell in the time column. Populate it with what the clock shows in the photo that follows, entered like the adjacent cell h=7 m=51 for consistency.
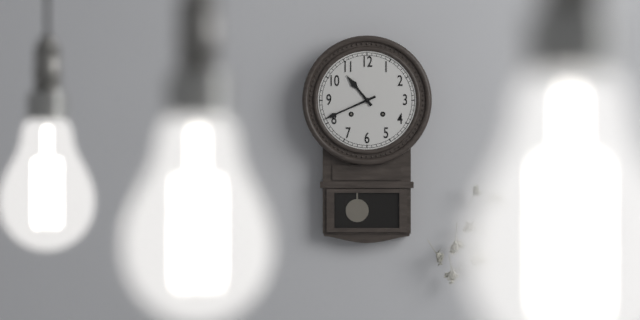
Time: h=10 m=41
